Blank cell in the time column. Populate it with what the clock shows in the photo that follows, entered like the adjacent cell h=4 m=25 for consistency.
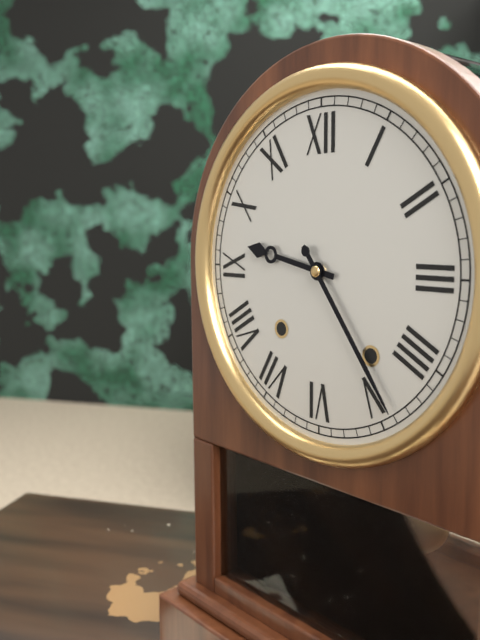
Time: h=9 m=24
